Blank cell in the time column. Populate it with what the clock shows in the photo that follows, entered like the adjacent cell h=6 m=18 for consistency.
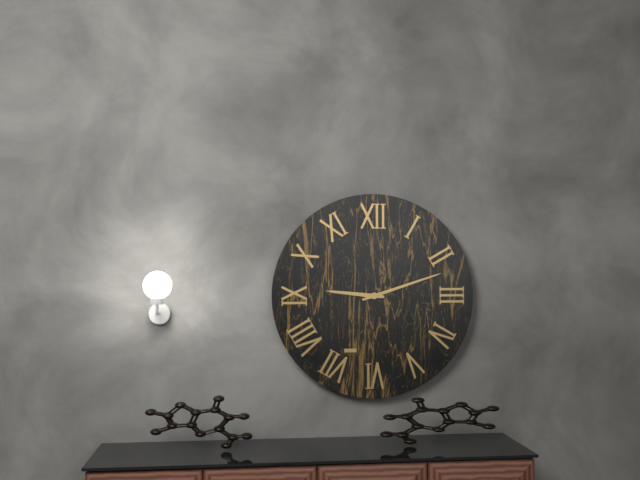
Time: h=9 m=12
